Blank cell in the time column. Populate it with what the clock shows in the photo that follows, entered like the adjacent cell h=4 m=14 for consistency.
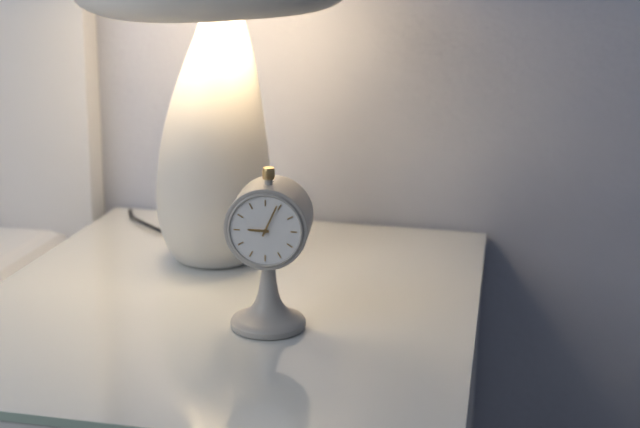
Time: h=9 m=4
